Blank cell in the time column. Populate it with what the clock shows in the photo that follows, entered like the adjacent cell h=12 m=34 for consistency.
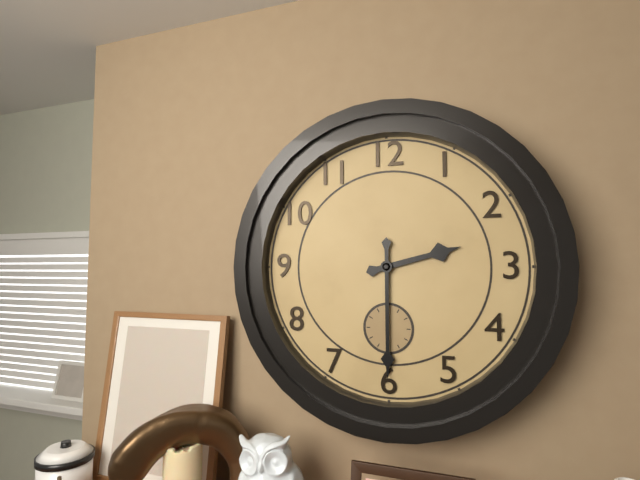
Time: h=2 m=30
